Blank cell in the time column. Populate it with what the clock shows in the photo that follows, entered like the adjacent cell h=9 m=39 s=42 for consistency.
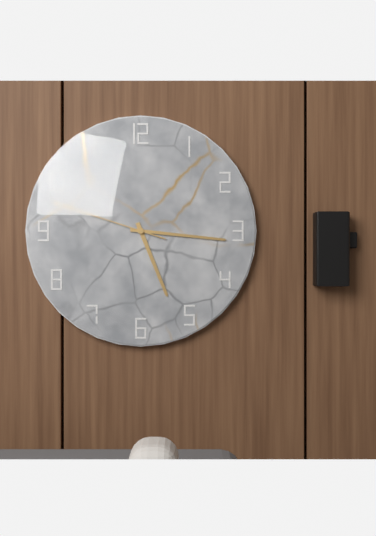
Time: h=5 m=16 s=48
